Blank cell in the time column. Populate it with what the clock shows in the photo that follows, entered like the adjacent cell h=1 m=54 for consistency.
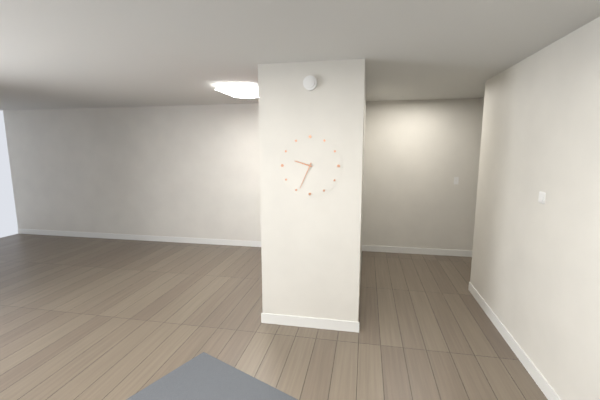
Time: h=9 m=34
